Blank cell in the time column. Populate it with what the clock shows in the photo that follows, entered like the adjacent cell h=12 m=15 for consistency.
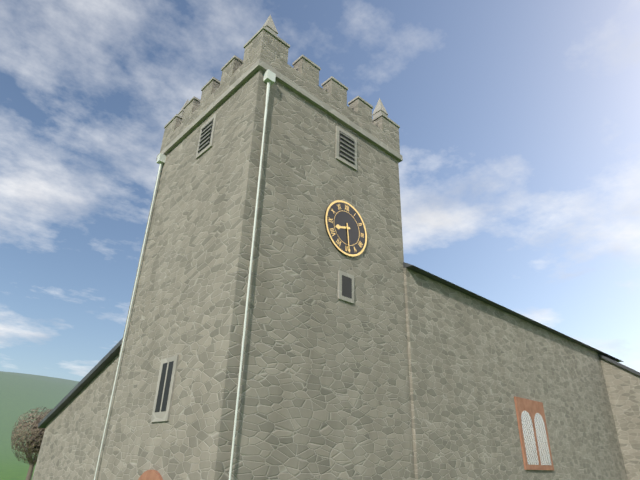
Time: h=8 m=29
